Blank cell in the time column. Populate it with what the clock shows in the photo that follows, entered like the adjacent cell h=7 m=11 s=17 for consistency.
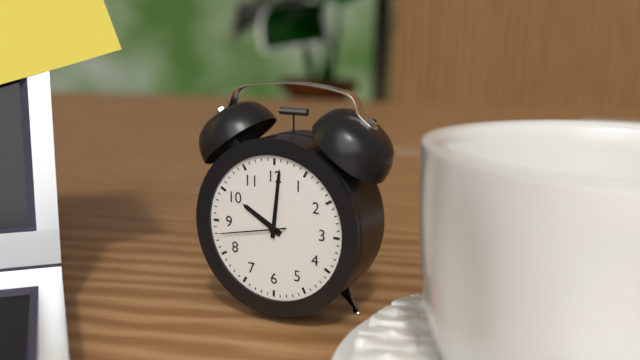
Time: h=10 m=1 s=43
